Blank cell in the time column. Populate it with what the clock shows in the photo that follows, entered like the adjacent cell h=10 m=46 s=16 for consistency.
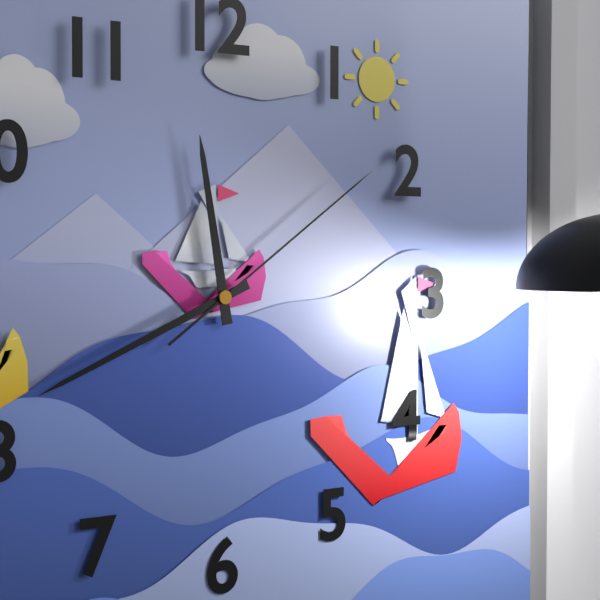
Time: h=11 m=41 s=9
